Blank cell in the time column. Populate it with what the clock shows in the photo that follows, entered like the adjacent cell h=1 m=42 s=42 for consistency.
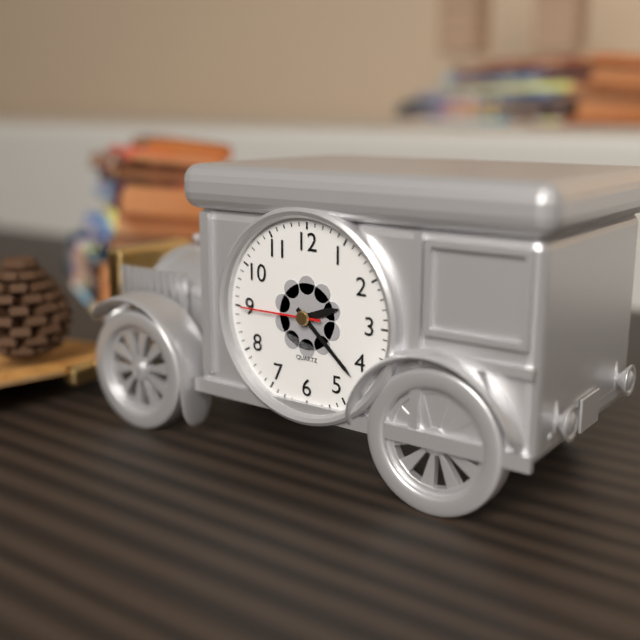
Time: h=2 m=22 s=45
